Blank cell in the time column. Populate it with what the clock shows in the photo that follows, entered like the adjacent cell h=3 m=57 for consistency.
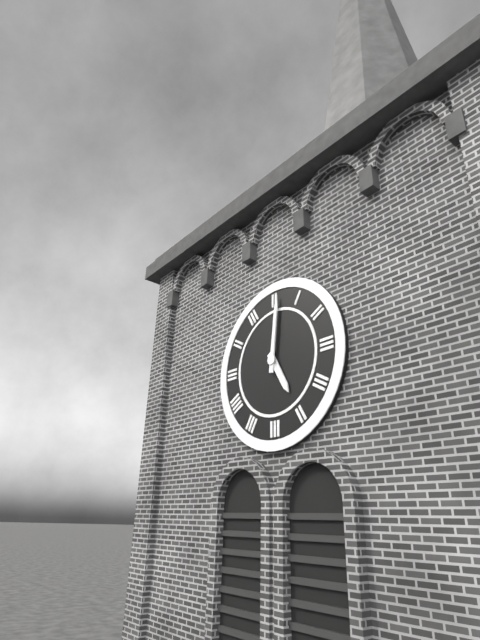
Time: h=5 m=1
